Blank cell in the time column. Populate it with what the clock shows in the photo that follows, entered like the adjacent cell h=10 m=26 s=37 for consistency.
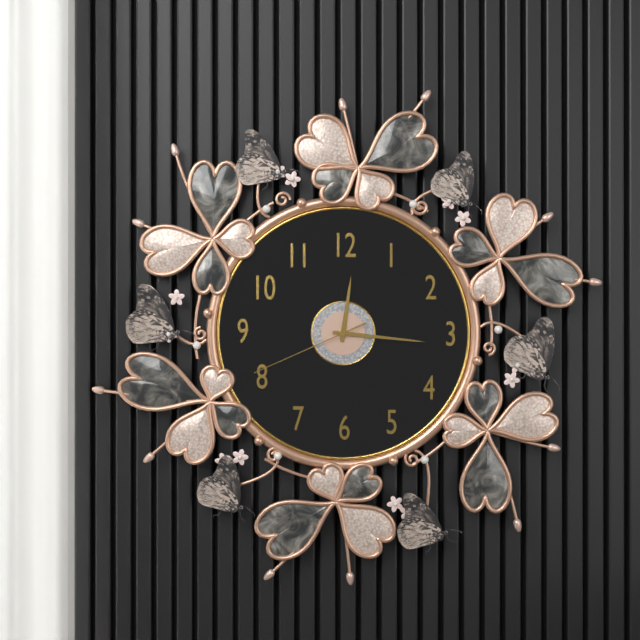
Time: h=12 m=16 s=41
